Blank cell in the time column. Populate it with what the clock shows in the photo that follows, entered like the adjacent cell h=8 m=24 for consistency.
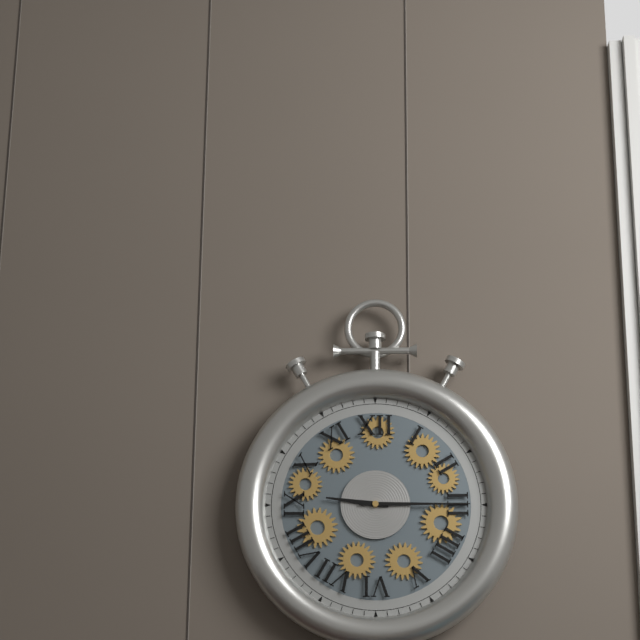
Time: h=9 m=15
